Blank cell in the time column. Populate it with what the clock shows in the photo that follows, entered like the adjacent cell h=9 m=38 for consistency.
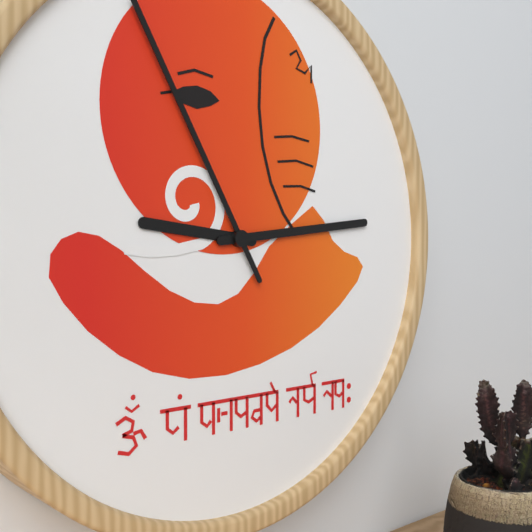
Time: h=9 m=14
